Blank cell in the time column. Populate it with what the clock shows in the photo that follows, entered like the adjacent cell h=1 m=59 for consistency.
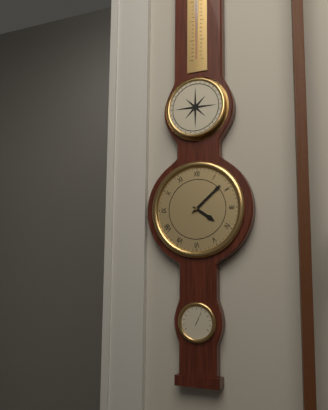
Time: h=4 m=8
